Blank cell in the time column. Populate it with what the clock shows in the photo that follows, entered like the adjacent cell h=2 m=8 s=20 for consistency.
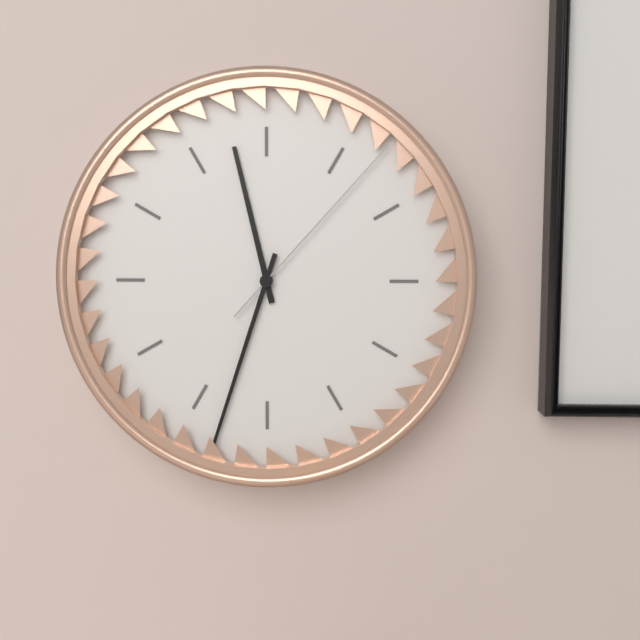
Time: h=11 m=33 s=7
